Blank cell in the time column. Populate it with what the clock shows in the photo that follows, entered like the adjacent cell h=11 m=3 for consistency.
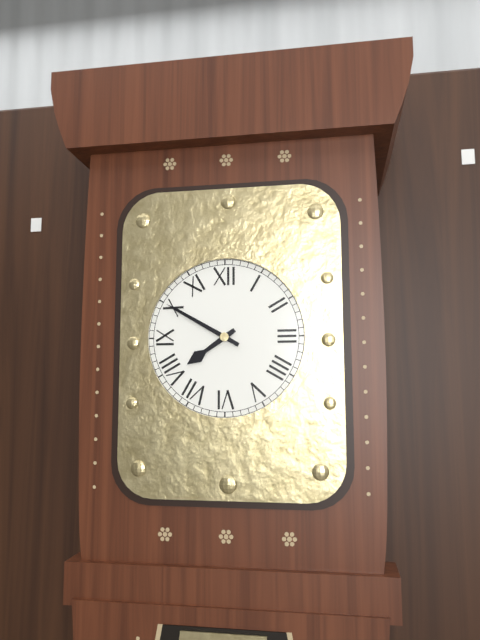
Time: h=7 m=50
